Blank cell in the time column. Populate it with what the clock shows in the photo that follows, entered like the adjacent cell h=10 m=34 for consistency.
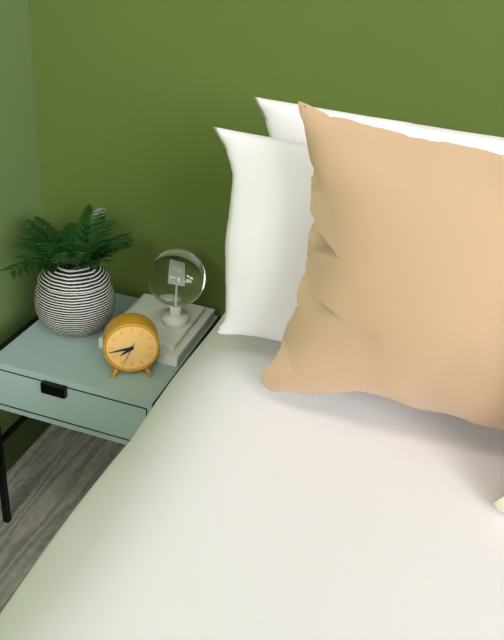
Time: h=7 m=43
